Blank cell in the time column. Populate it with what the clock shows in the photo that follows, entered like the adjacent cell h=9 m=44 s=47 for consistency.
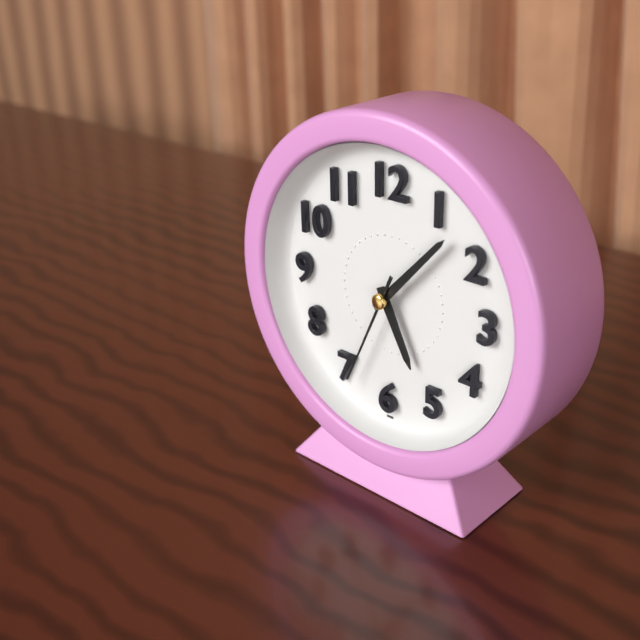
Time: h=5 m=7 s=34
